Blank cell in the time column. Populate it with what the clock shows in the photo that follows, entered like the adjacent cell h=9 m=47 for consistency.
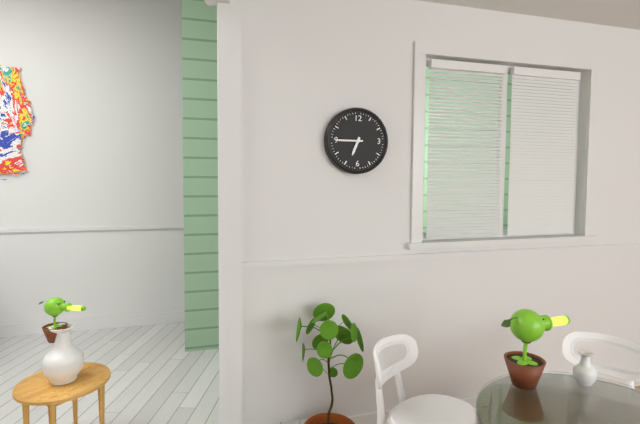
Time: h=6 m=45
